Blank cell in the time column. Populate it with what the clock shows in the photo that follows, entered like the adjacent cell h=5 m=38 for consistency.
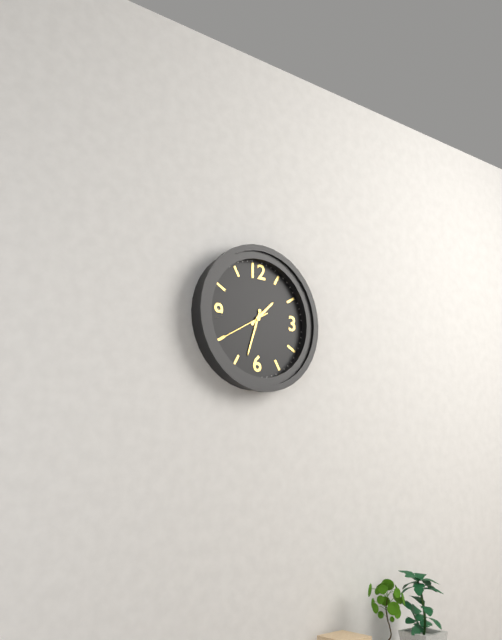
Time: h=1 m=33
